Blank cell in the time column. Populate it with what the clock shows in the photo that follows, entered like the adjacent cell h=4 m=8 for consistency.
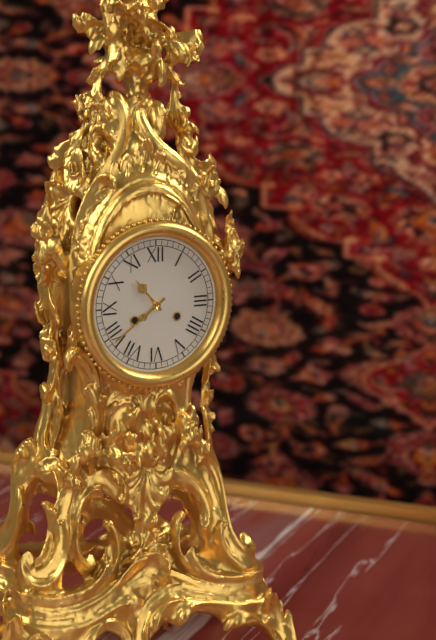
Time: h=10 m=39
